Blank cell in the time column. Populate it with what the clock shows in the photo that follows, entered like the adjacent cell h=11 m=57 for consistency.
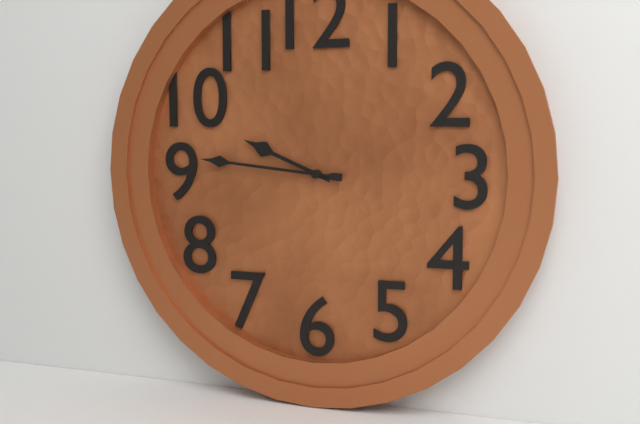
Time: h=9 m=46
